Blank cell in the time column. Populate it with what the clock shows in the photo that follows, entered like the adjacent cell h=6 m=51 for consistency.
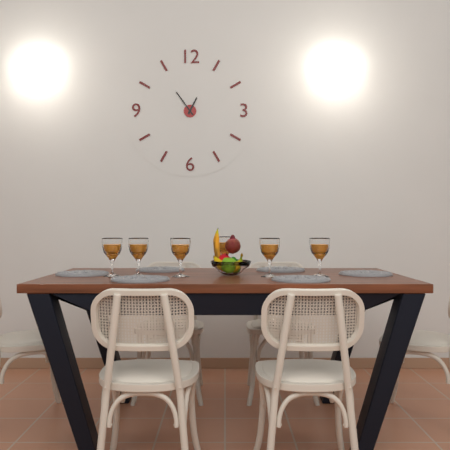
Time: h=12 m=54
